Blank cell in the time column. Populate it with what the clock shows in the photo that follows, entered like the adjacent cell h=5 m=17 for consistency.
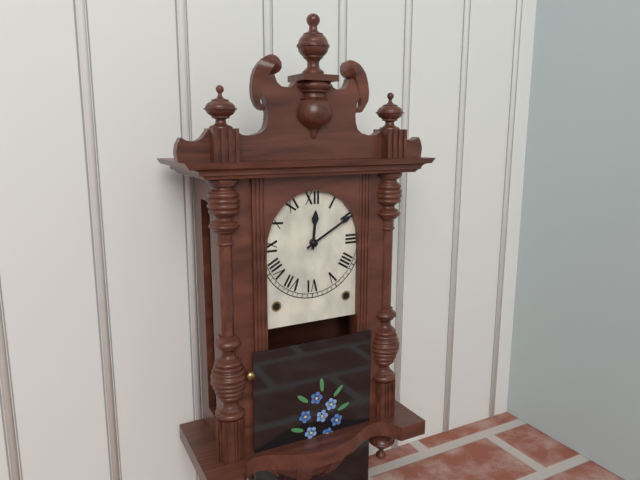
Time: h=12 m=10
